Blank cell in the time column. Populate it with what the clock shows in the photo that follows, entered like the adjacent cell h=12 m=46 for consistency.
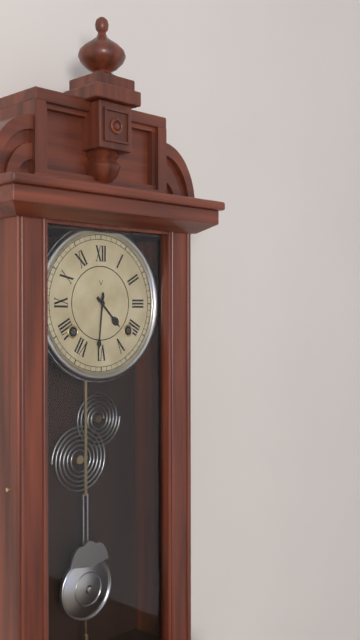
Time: h=4 m=31
